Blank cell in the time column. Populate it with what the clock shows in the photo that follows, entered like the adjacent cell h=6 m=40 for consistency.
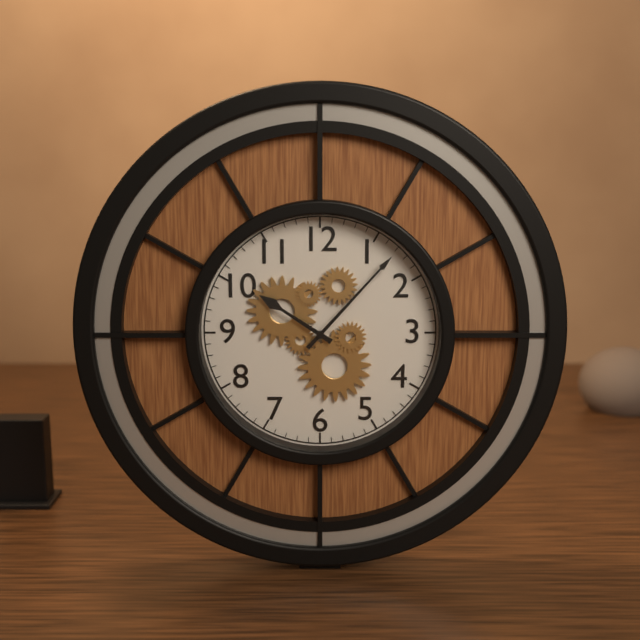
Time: h=10 m=7
